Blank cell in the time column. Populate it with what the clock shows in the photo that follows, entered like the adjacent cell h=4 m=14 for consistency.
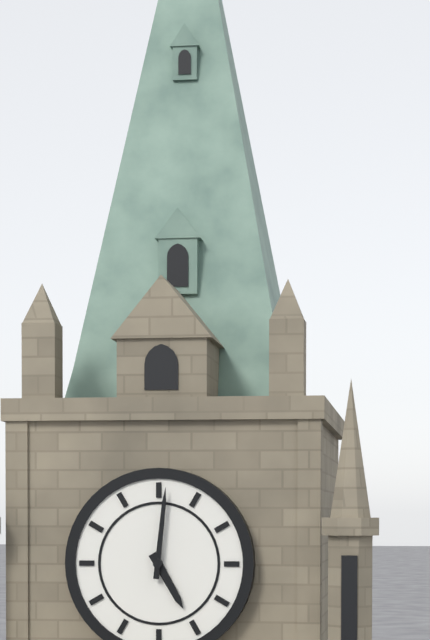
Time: h=5 m=1
